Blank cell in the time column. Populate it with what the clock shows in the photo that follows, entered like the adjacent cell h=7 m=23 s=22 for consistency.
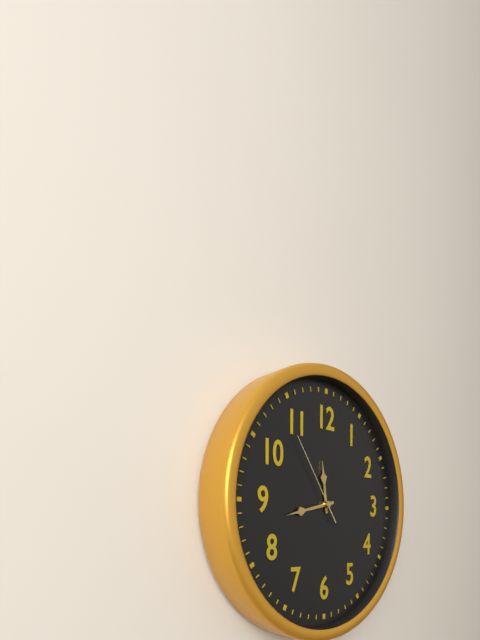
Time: h=11 m=43 s=54
